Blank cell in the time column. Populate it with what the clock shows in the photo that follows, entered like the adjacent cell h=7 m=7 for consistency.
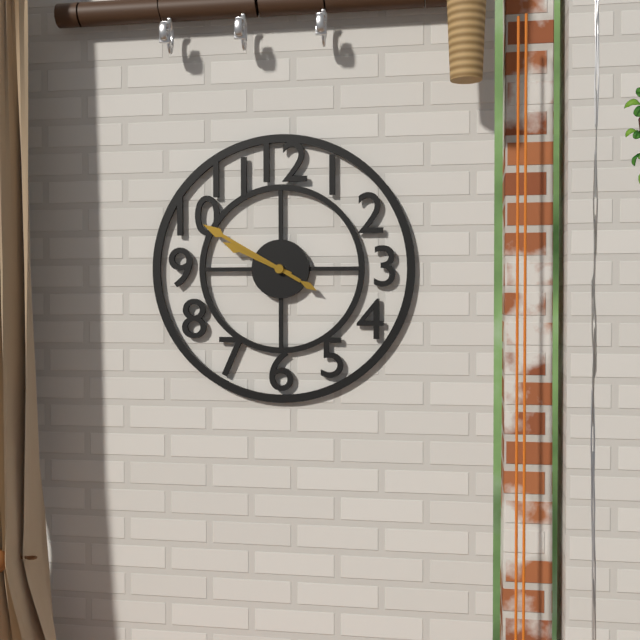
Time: h=9 m=50
